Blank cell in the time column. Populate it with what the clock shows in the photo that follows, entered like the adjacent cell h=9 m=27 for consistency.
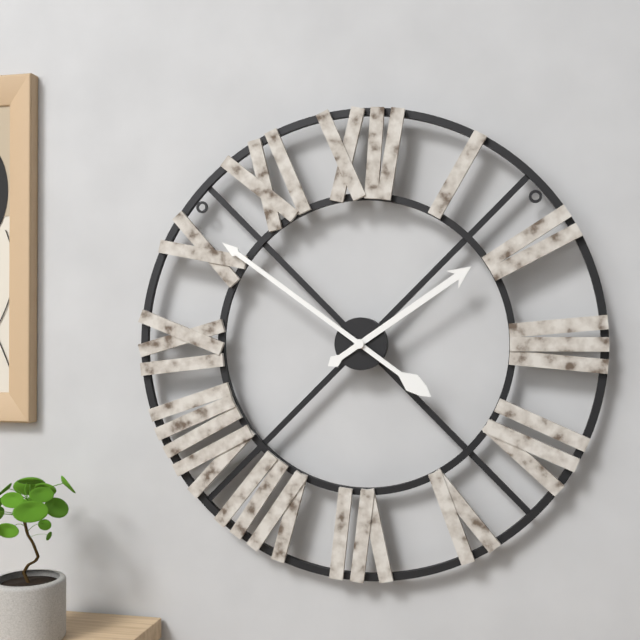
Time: h=1 m=51
